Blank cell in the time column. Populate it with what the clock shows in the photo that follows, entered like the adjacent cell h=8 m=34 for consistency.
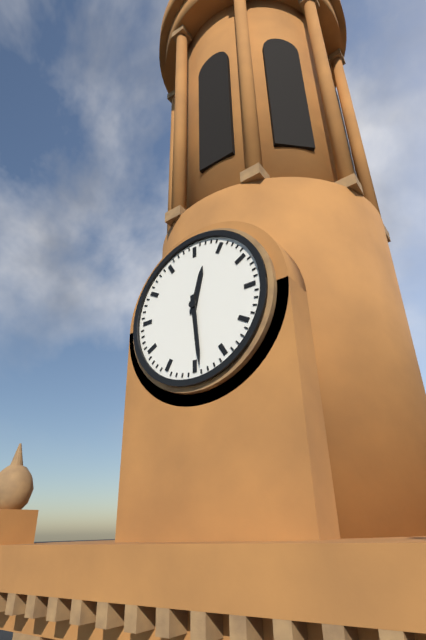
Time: h=12 m=29
